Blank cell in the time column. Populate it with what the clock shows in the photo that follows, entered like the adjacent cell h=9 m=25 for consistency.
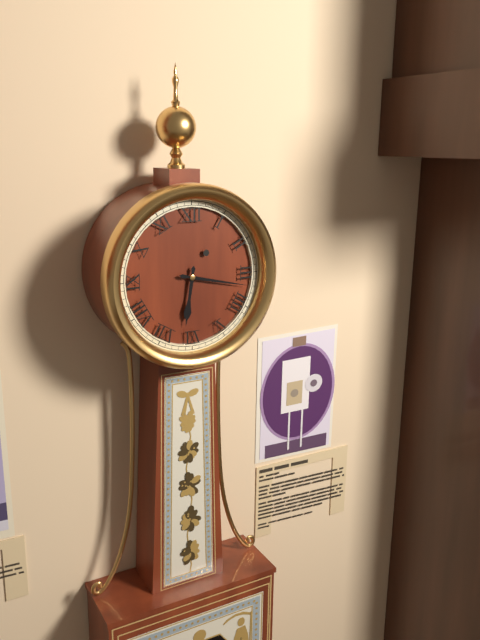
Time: h=6 m=17
